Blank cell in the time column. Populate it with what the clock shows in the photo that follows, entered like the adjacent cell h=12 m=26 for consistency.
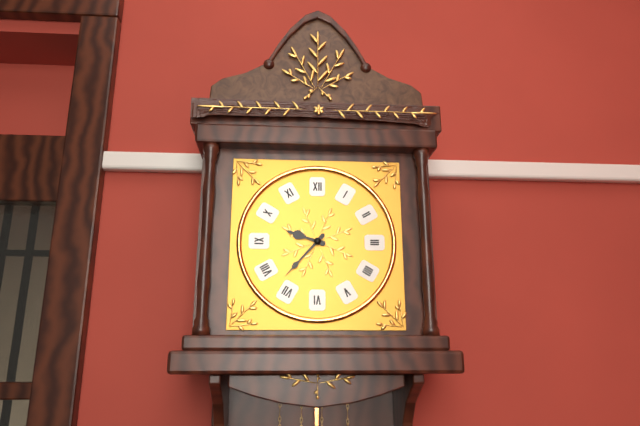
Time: h=9 m=37
